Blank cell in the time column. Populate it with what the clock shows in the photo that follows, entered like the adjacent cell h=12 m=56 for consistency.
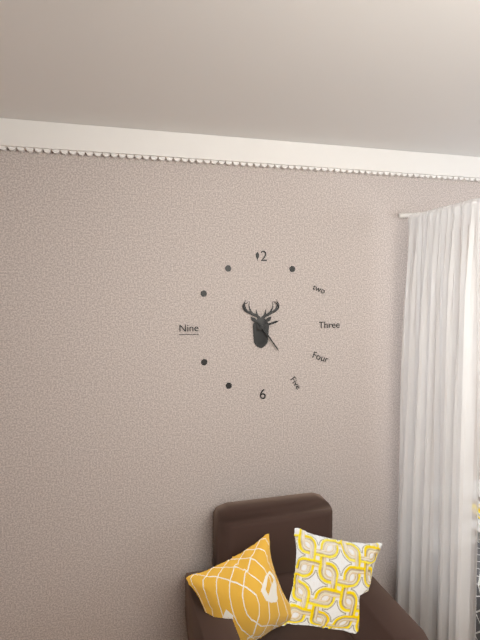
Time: h=2 m=24
